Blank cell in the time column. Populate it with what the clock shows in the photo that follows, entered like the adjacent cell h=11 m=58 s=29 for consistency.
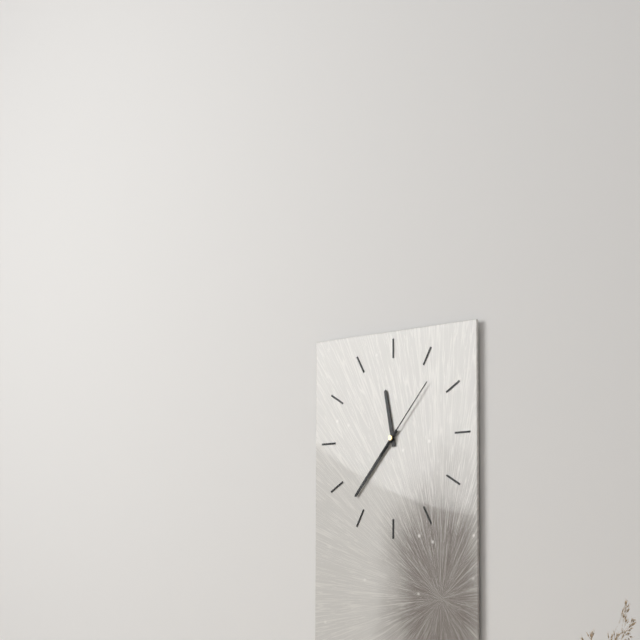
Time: h=11 m=37 s=7
